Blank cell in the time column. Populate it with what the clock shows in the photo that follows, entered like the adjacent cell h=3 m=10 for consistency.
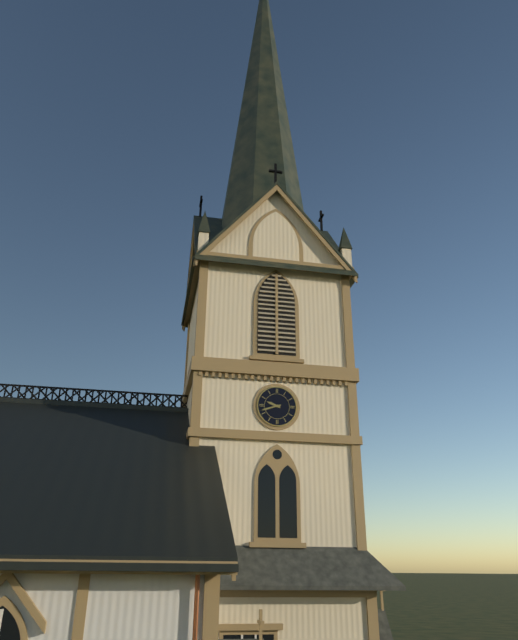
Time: h=9 m=42
